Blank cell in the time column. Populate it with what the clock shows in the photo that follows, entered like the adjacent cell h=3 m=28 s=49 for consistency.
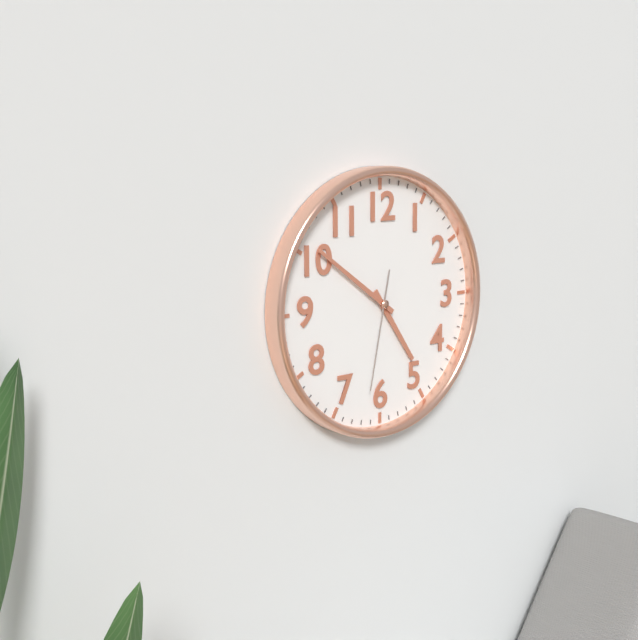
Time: h=4 m=51 s=32
